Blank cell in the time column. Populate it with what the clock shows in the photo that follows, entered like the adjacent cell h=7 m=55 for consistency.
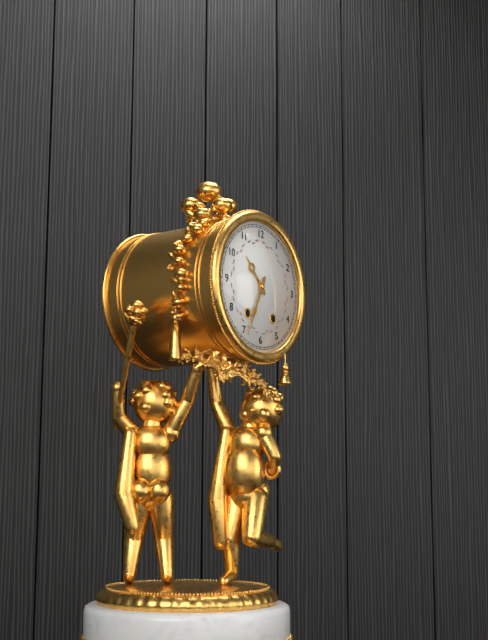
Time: h=10 m=34
